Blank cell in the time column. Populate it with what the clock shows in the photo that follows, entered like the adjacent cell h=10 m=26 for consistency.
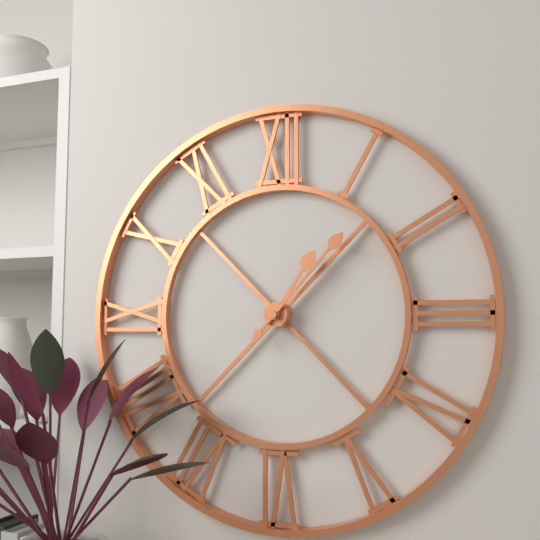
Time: h=1 m=7
